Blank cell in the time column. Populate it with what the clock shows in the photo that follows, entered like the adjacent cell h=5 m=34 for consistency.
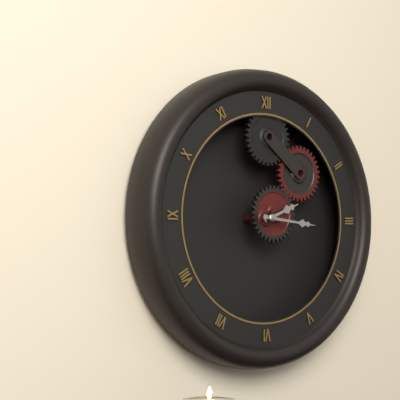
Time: h=2 m=16
